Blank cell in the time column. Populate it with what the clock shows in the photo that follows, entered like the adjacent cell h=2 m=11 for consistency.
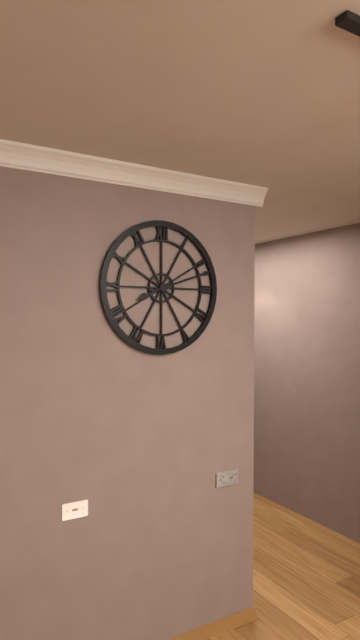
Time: h=8 m=12
